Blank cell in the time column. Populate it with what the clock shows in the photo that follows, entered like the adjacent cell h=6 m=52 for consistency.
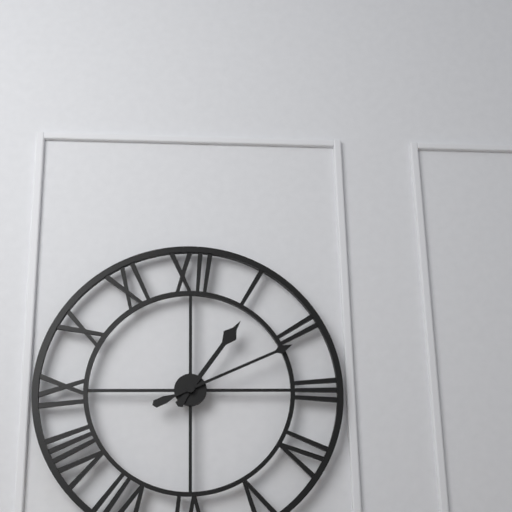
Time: h=1 m=11
